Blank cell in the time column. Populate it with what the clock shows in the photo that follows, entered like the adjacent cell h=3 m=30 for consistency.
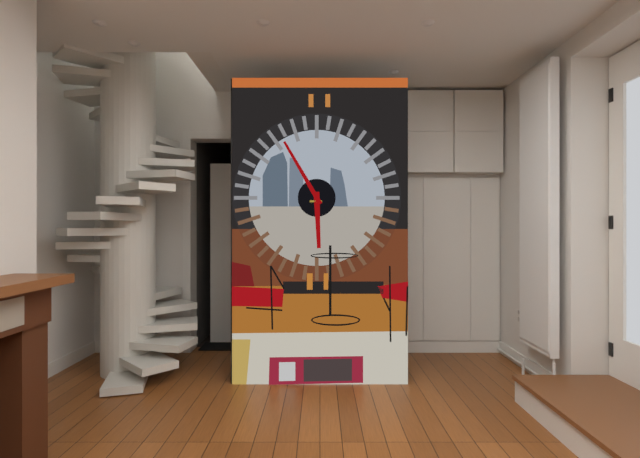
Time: h=5 m=55
